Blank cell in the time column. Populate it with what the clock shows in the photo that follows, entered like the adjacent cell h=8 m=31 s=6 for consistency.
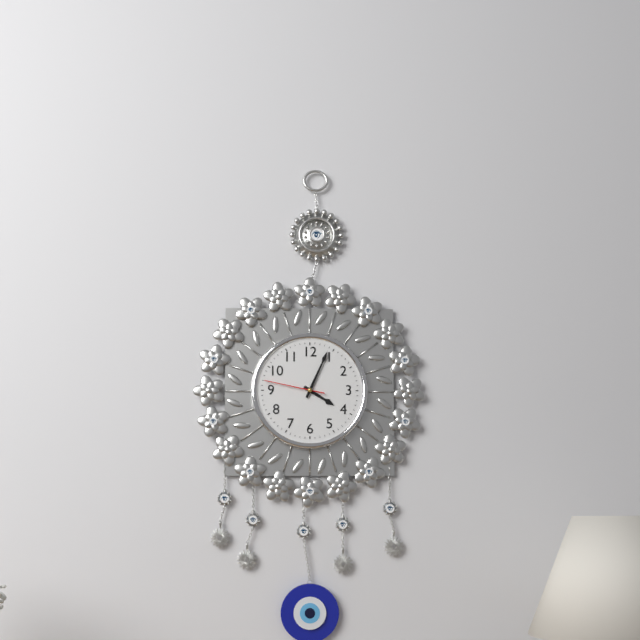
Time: h=4 m=4 s=47
